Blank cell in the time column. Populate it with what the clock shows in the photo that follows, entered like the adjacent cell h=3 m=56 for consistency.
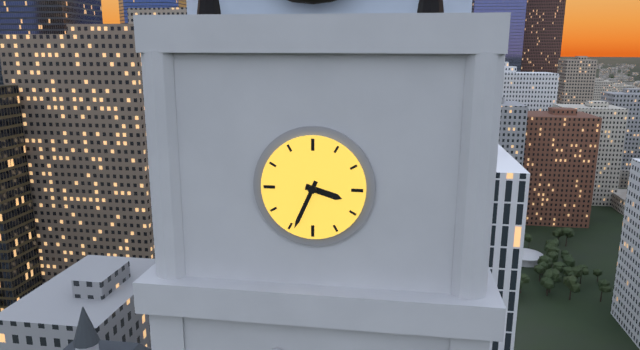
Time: h=3 m=34
